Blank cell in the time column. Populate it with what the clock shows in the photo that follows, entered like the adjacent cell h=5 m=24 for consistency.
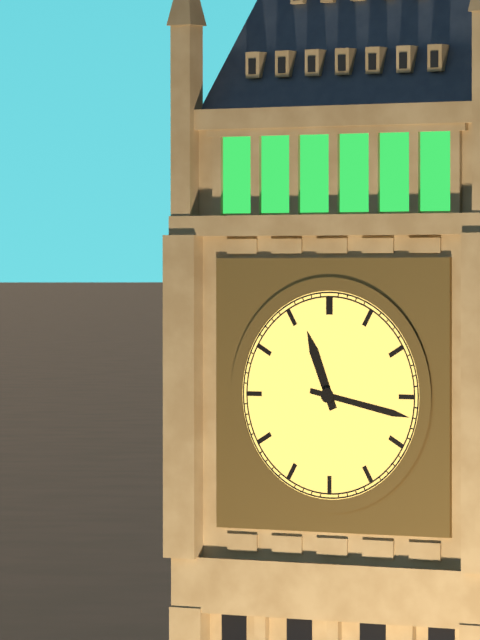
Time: h=11 m=17
